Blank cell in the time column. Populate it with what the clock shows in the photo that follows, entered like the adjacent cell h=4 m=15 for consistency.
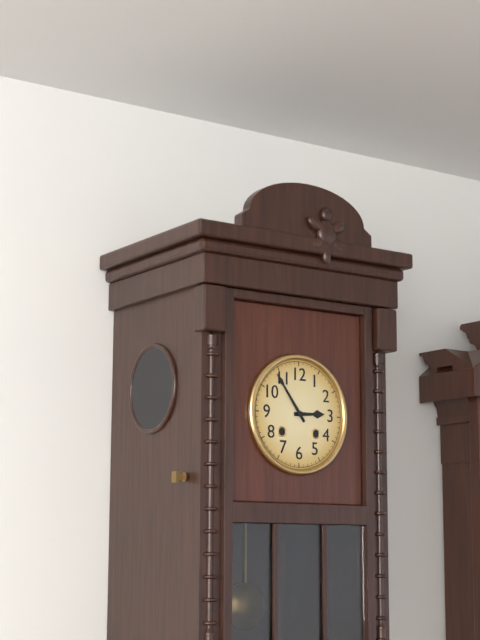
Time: h=2 m=54
